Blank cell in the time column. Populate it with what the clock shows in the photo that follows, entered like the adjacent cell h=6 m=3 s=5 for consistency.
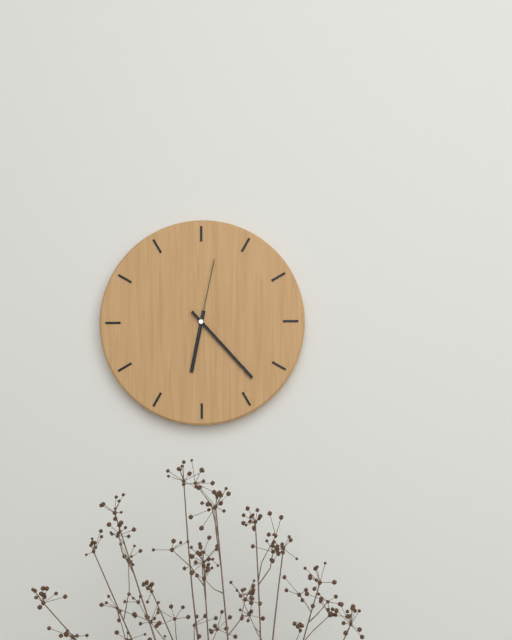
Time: h=6 m=23 s=2
